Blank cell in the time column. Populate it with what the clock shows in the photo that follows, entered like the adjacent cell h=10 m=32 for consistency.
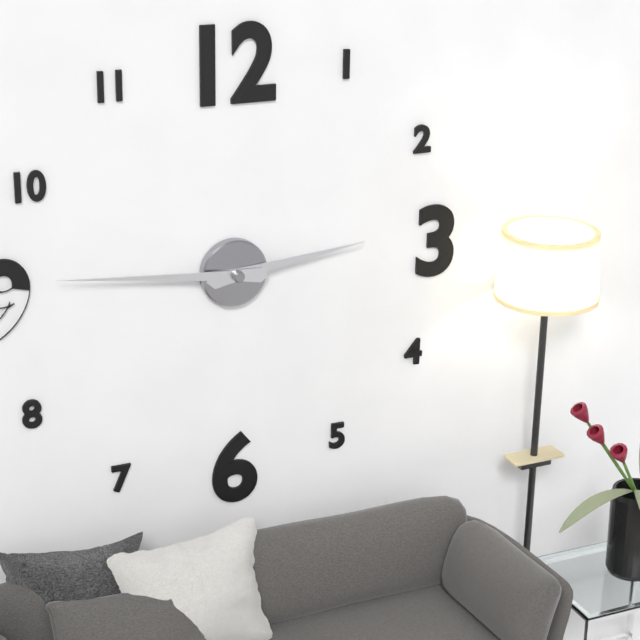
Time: h=2 m=46
